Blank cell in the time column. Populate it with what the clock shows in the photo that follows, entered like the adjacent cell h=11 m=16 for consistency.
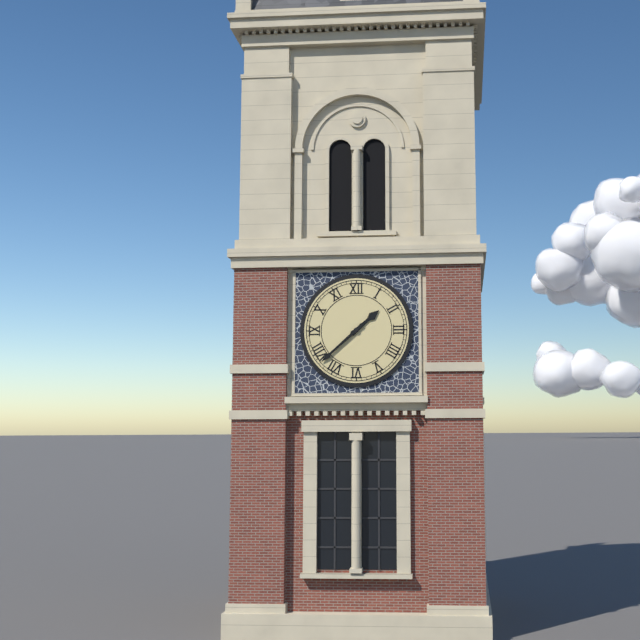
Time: h=1 m=38
